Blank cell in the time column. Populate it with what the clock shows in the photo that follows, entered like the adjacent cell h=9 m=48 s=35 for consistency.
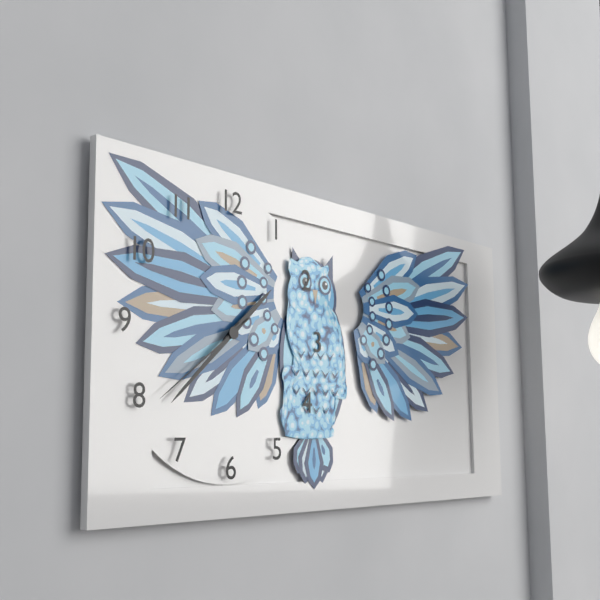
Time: h=1 m=38 s=39
